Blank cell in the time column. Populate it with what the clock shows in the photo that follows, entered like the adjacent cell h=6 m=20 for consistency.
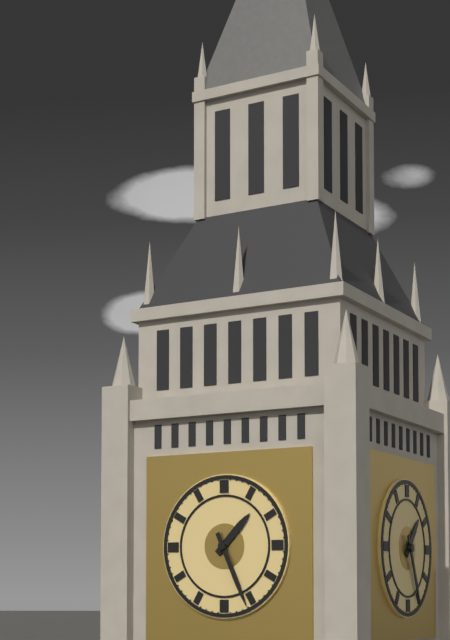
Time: h=1 m=26
